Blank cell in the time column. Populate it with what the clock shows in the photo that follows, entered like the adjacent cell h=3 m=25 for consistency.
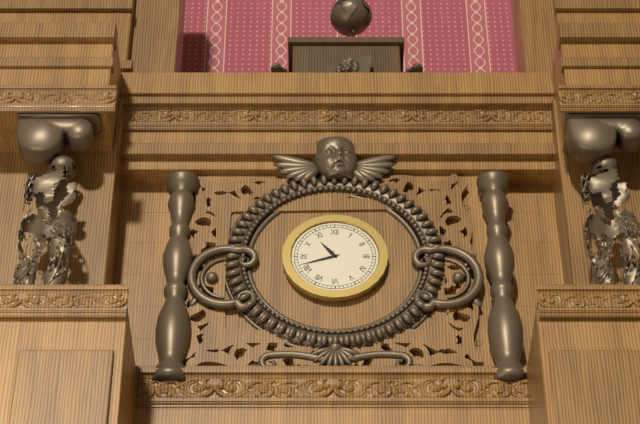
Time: h=10 m=42
